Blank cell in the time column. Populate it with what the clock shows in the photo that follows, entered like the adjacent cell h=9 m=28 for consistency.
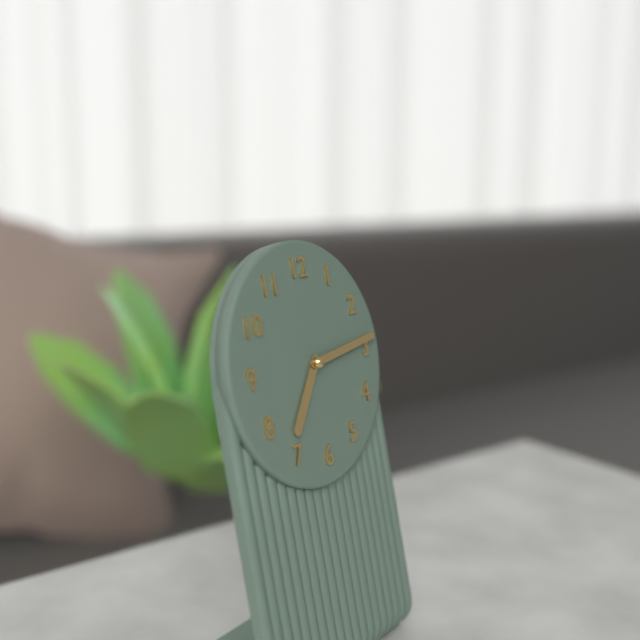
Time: h=7 m=14
